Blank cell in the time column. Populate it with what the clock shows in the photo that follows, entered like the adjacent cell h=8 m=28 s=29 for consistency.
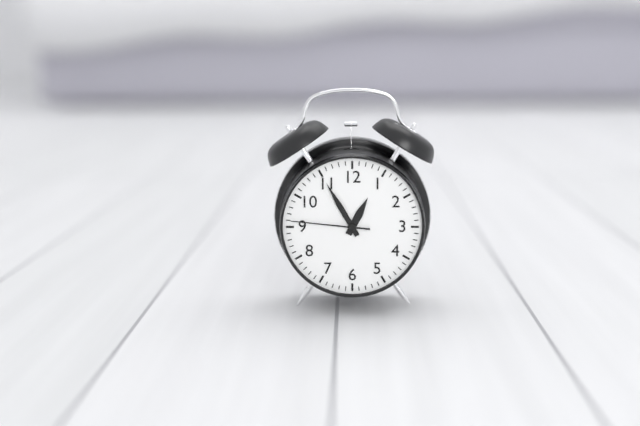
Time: h=12 m=55 s=46
